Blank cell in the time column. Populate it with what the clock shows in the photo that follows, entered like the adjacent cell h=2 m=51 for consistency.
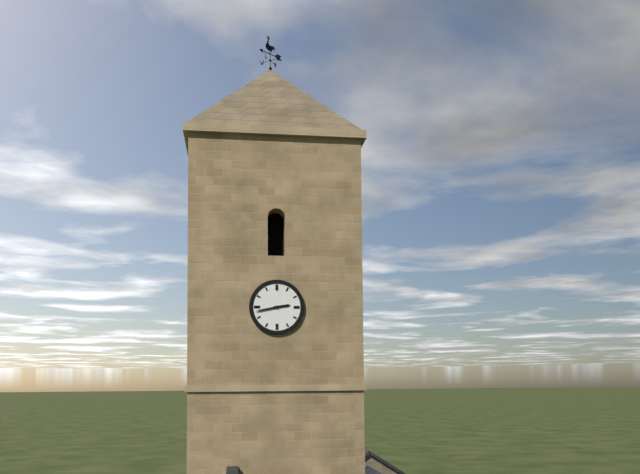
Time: h=2 m=43
